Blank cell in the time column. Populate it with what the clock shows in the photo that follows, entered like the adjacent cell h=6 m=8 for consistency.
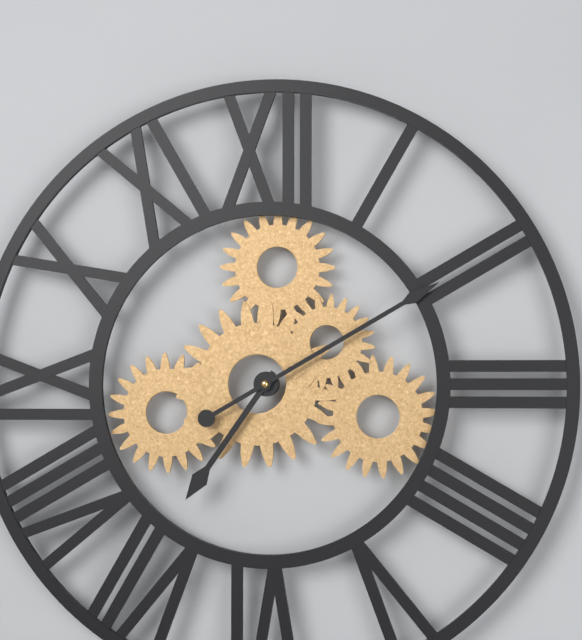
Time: h=7 m=10
